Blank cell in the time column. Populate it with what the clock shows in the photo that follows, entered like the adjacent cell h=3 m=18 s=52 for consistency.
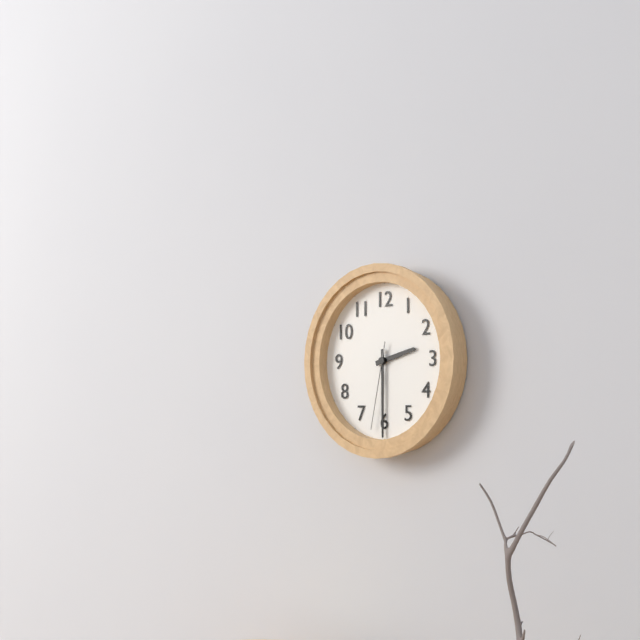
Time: h=2 m=30 s=32
